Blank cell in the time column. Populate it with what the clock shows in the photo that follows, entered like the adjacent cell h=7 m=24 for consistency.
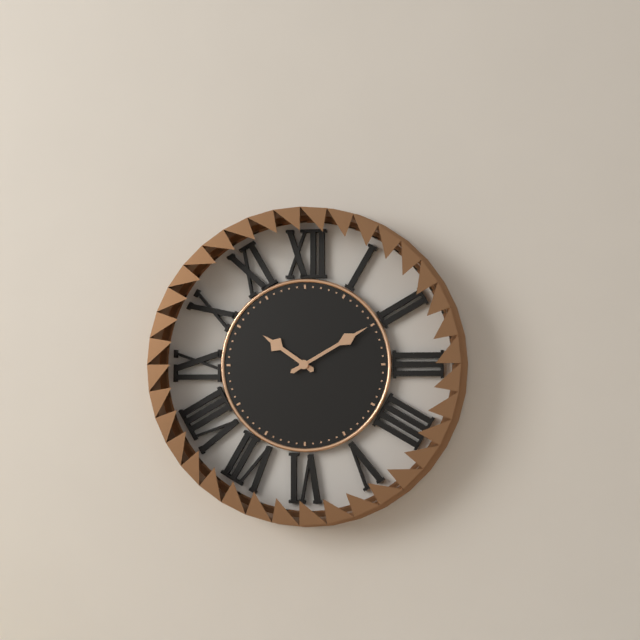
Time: h=10 m=10
